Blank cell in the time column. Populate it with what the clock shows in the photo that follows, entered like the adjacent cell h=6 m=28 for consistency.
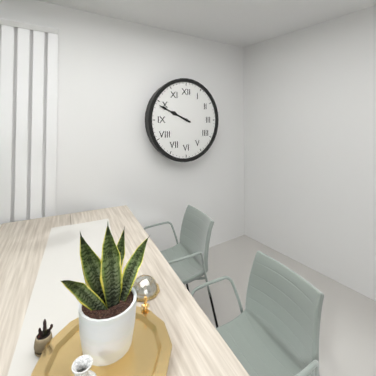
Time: h=9 m=49
